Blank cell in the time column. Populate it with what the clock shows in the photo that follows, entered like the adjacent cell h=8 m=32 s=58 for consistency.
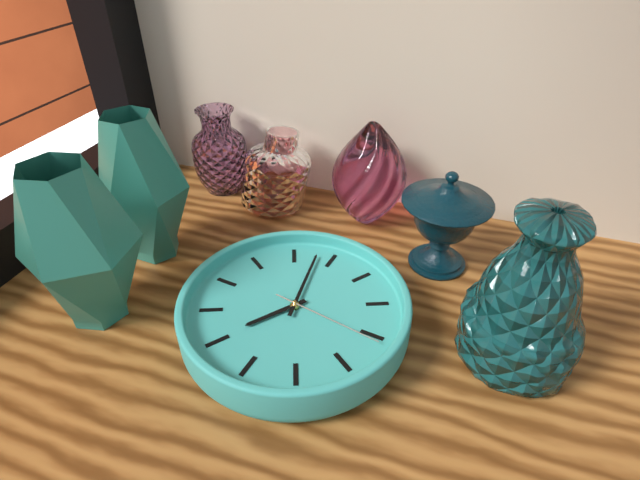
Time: h=8 m=3 s=21
